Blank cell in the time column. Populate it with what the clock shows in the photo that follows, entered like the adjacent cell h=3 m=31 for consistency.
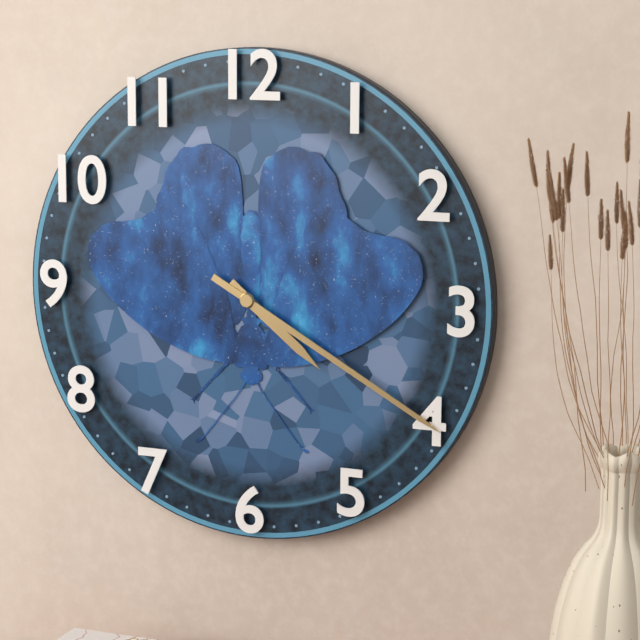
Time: h=4 m=20
